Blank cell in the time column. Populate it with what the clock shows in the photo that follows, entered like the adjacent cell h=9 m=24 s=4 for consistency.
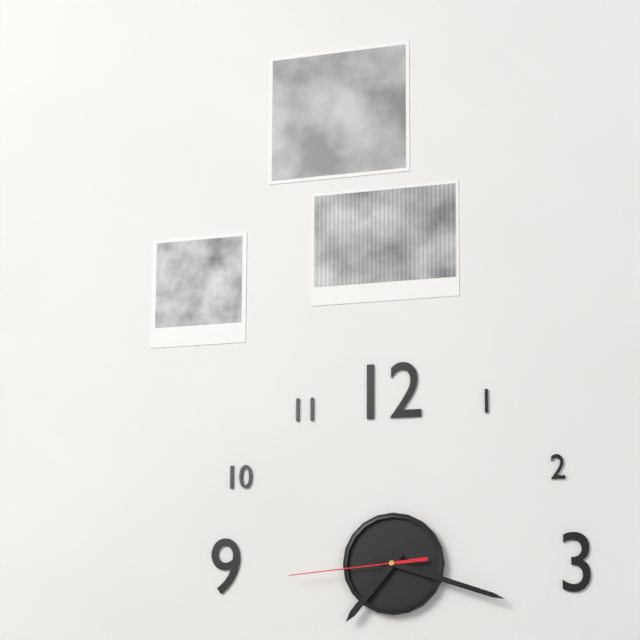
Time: h=7 m=18 s=44
